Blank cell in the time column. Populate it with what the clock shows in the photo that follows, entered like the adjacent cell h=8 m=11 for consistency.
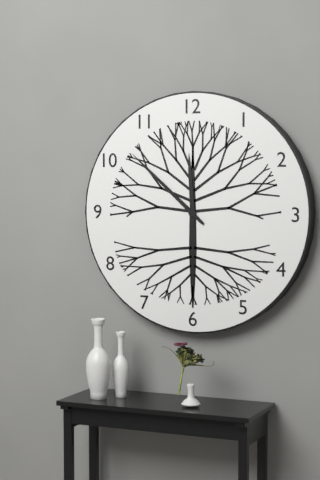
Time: h=11 m=52
